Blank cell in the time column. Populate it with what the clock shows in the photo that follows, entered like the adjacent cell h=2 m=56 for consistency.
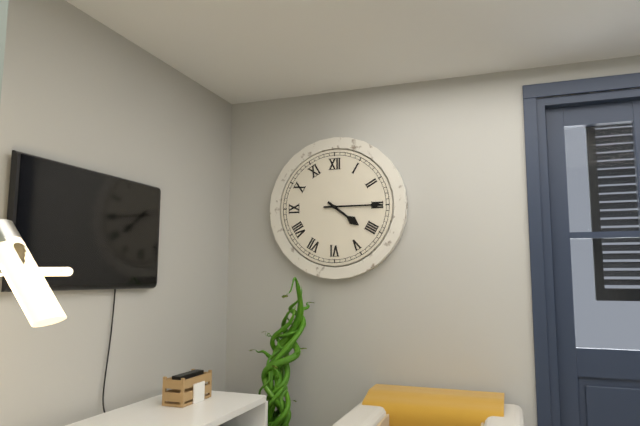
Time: h=4 m=15
